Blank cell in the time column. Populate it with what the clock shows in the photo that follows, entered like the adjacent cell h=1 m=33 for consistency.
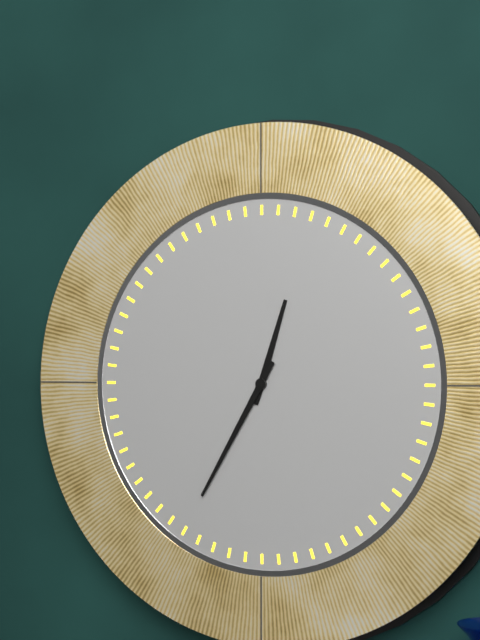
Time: h=12 m=35
